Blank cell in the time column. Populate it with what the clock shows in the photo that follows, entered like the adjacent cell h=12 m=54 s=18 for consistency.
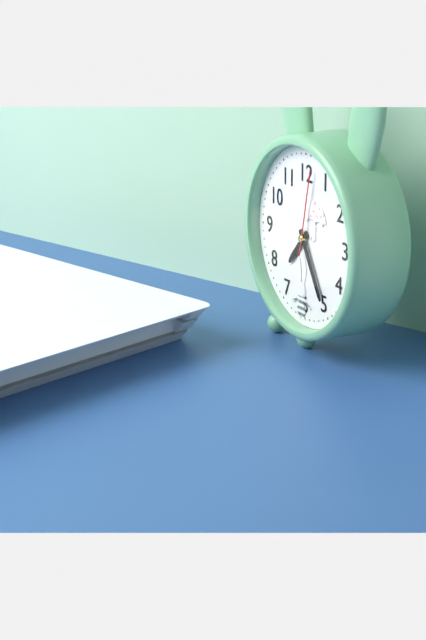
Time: h=7 m=25 s=2
